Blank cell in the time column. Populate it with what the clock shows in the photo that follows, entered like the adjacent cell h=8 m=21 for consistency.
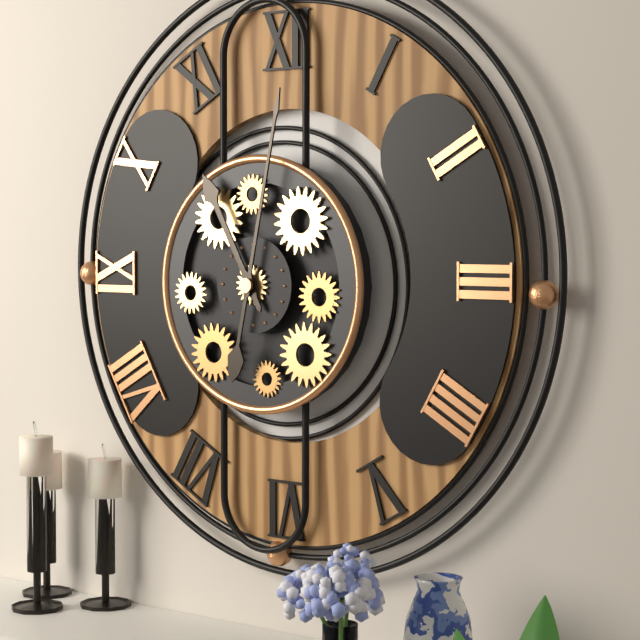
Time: h=11 m=2
